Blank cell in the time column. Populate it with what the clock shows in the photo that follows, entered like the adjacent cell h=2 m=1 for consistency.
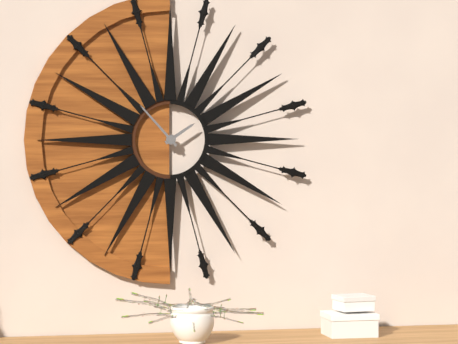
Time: h=1 m=53
